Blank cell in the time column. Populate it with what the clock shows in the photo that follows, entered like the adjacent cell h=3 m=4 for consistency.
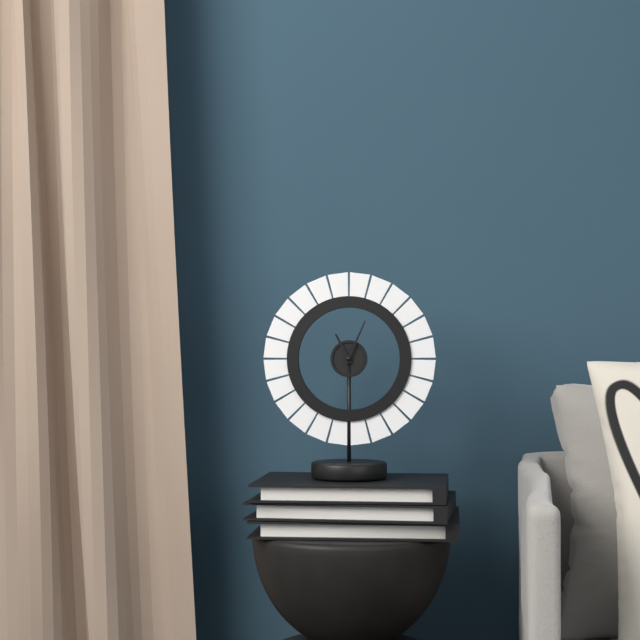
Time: h=11 m=4
